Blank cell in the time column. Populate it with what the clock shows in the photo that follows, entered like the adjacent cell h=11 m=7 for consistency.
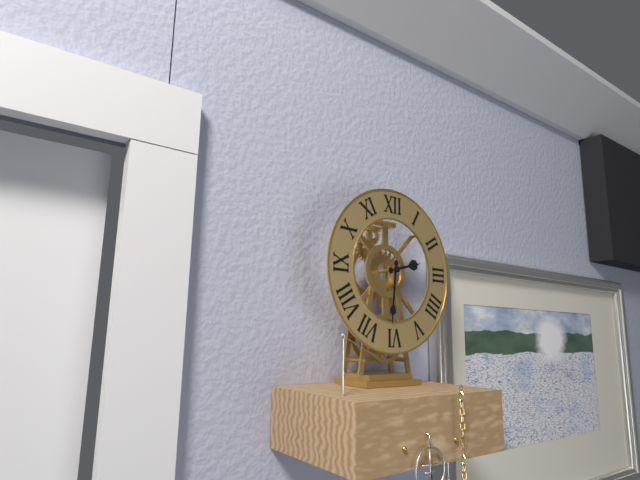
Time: h=2 m=31
